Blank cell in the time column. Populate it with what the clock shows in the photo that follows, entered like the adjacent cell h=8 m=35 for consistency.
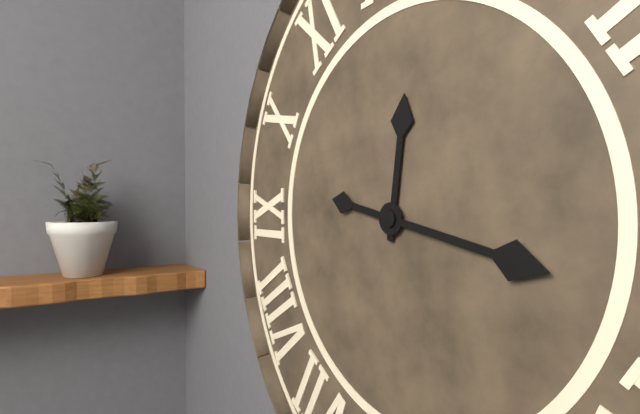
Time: h=12 m=17
